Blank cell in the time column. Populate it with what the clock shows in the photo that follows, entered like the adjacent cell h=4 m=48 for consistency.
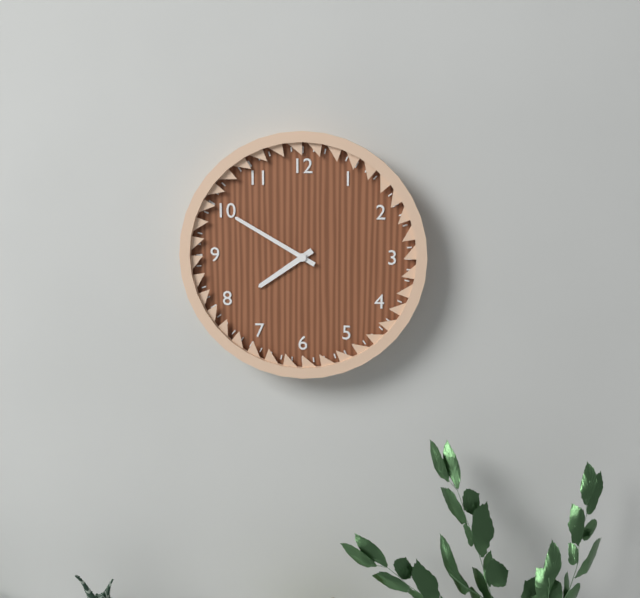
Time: h=7 m=50
